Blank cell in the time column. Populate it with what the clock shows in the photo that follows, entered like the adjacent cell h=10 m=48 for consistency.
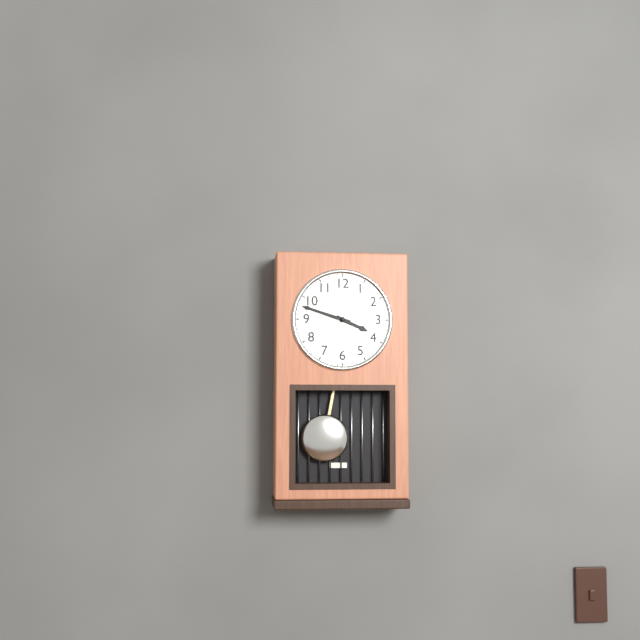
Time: h=3 m=48
